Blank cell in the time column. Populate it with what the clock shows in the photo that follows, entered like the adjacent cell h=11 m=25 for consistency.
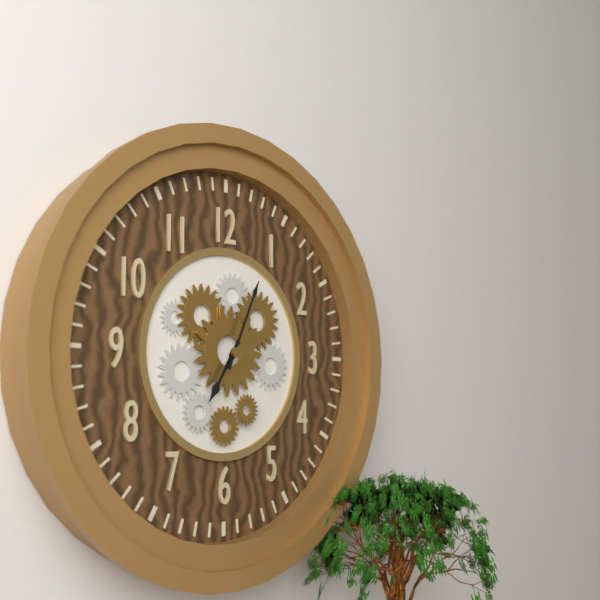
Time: h=7 m=4
